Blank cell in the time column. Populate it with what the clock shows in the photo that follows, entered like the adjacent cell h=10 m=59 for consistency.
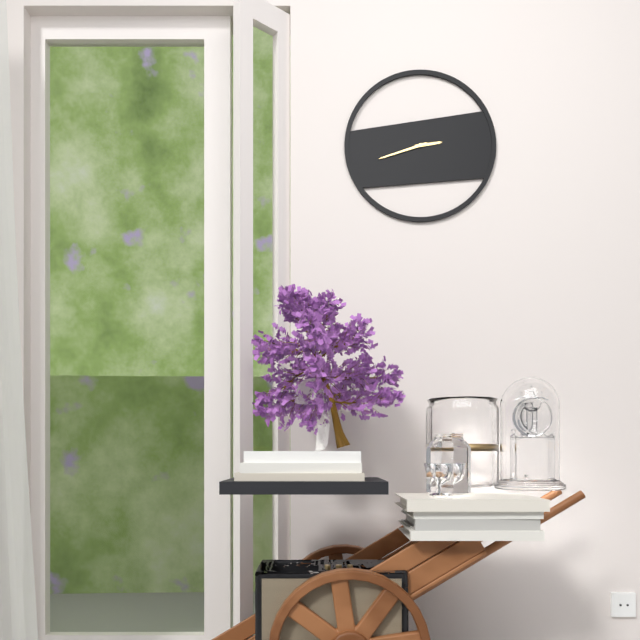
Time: h=2 m=42
